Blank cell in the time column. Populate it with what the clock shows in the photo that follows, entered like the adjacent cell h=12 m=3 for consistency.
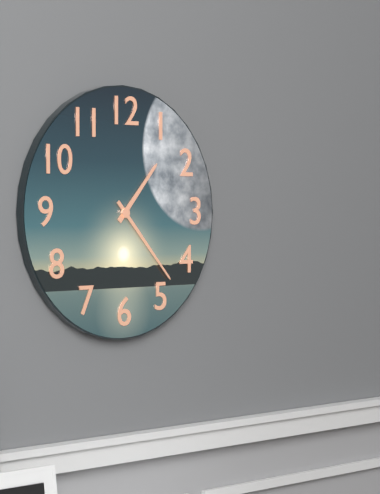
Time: h=1 m=23
